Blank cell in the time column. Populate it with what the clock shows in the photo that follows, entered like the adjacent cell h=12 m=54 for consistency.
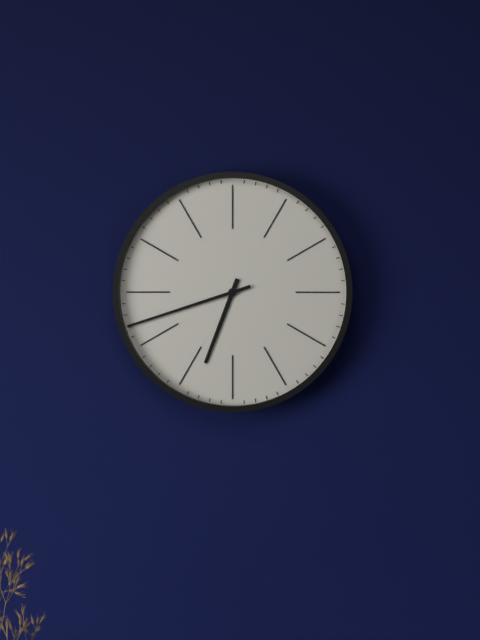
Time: h=6 m=42
